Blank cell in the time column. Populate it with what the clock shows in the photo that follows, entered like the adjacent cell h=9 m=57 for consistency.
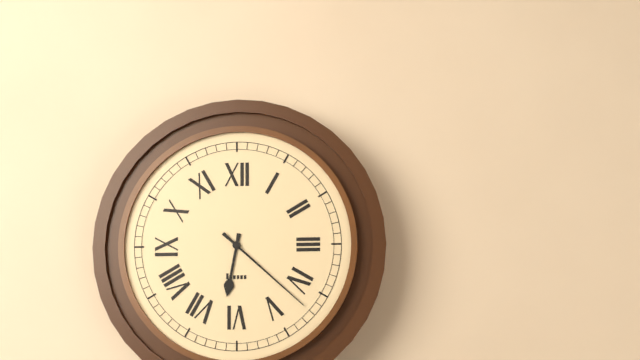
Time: h=6 m=22
